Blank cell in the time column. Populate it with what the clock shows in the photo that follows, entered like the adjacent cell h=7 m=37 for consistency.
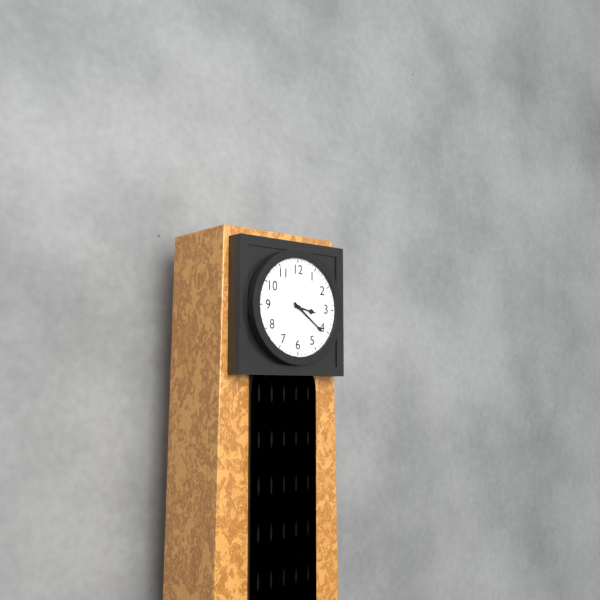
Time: h=3 m=21
